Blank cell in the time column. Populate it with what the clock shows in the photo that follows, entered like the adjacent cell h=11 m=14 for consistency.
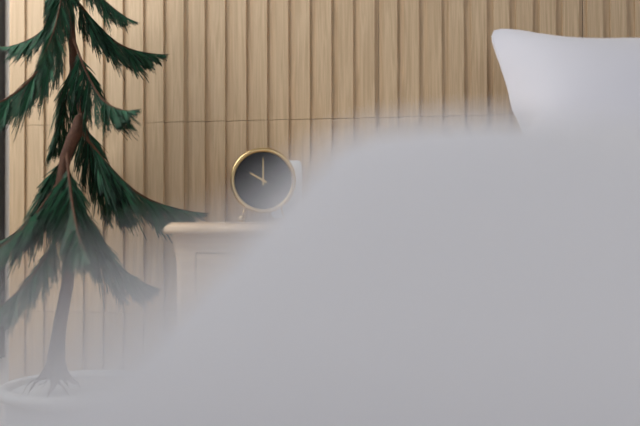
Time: h=10 m=0
